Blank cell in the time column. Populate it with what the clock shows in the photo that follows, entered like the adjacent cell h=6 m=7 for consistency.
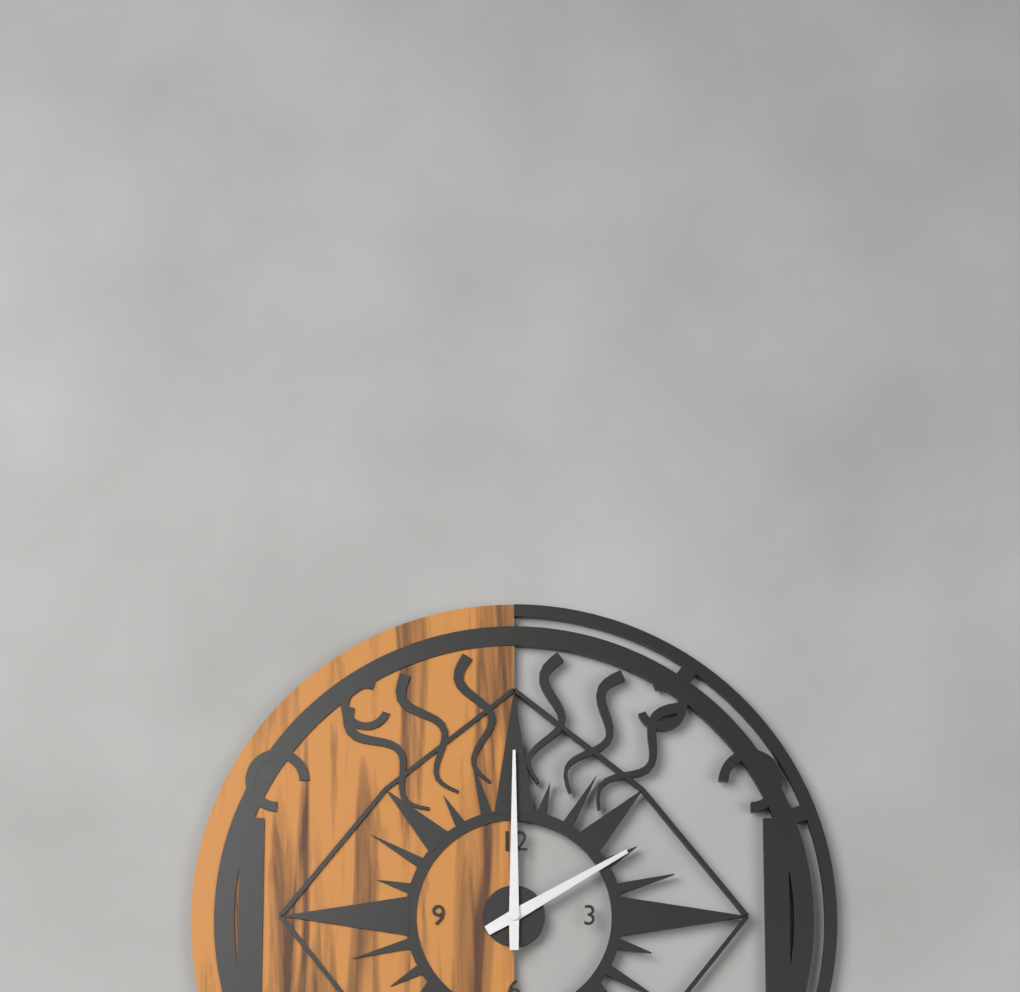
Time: h=2 m=0
